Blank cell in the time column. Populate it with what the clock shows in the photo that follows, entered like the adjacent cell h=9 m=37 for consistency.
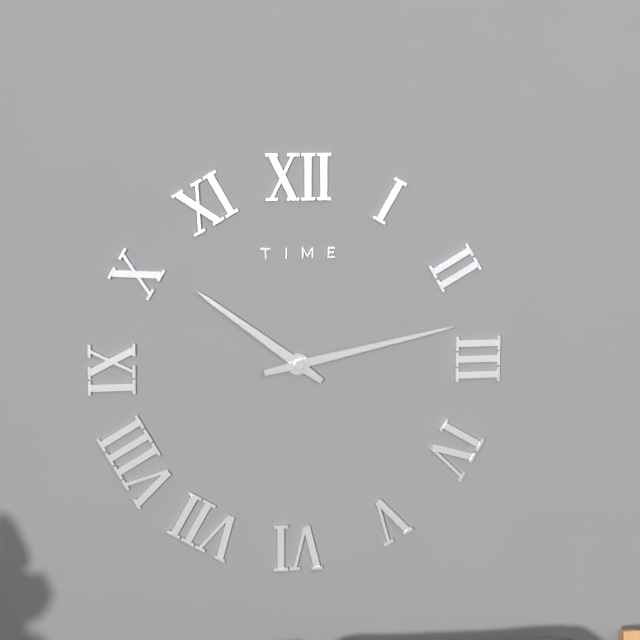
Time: h=10 m=13
